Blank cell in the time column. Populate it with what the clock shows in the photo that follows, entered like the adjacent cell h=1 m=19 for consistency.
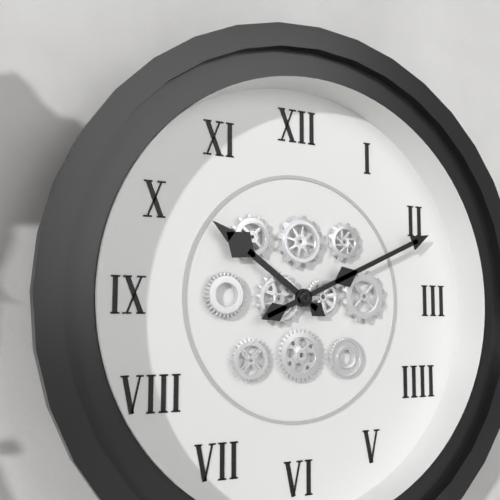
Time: h=10 m=11
